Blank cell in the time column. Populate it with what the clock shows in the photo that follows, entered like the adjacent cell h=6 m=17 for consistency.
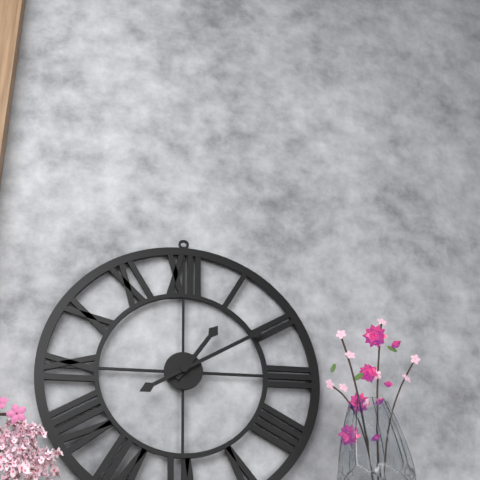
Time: h=1 m=10
